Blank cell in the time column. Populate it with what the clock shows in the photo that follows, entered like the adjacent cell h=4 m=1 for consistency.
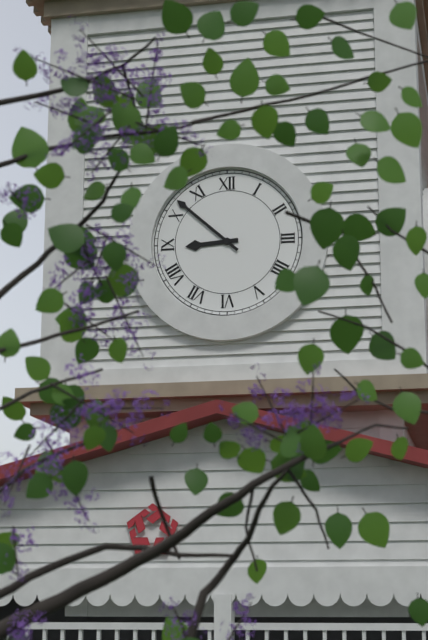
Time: h=8 m=52
